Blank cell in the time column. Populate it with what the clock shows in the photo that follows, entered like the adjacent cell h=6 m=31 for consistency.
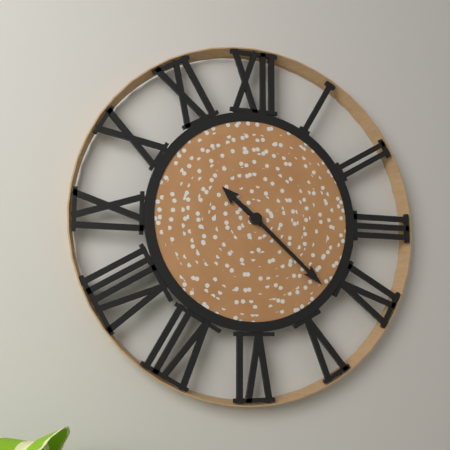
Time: h=10 m=22
